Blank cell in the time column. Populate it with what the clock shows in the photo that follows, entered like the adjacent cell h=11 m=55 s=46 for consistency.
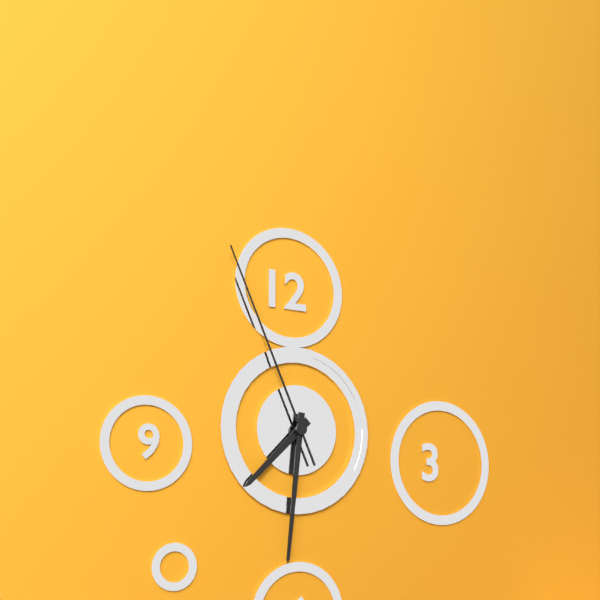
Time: h=7 m=31 s=56
